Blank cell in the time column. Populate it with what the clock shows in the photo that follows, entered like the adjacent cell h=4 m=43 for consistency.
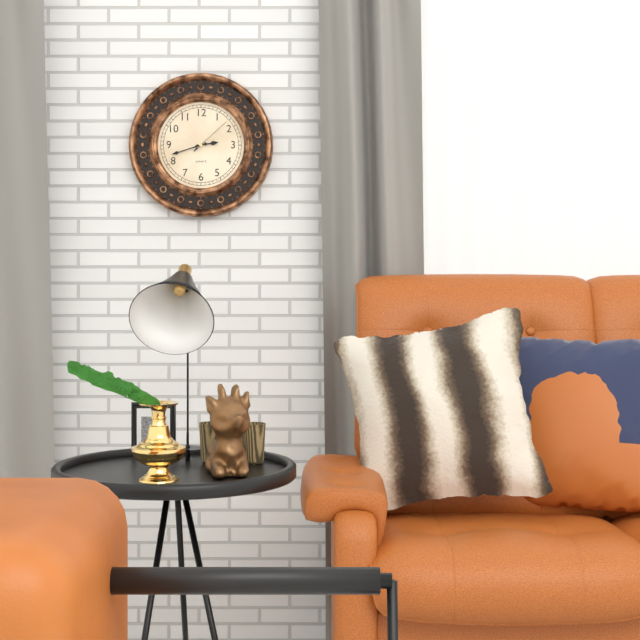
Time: h=2 m=42
